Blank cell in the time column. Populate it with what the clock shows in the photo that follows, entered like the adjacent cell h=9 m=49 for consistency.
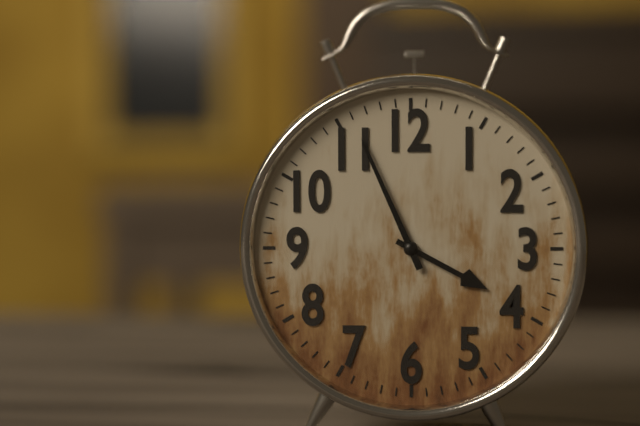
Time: h=3 m=56
